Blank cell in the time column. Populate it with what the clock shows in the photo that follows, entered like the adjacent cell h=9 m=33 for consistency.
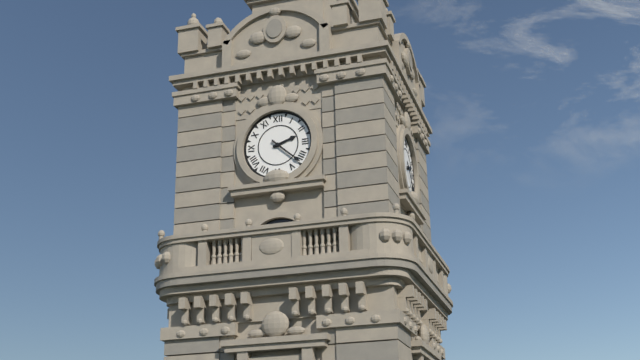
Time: h=2 m=22
